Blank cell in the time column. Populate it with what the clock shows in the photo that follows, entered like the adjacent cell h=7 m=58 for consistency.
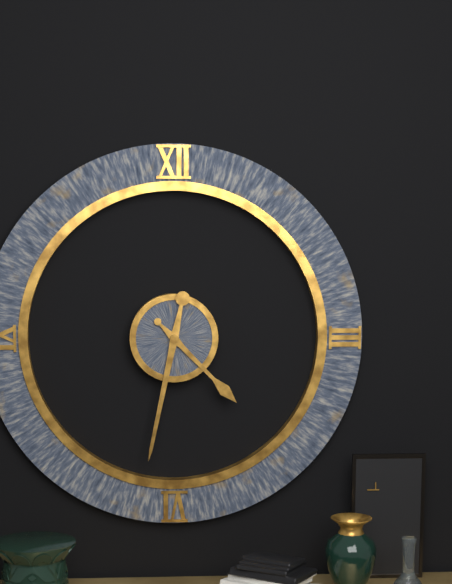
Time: h=4 m=32
